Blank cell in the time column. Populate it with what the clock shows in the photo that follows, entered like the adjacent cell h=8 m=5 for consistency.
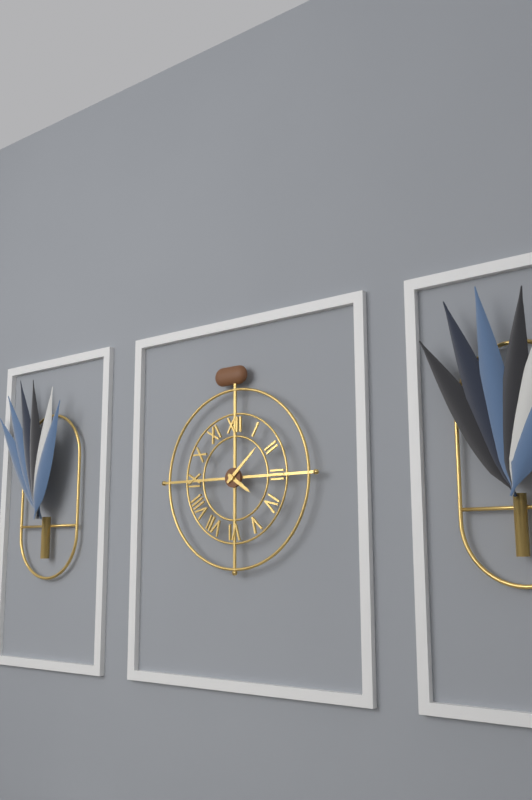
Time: h=4 m=8
